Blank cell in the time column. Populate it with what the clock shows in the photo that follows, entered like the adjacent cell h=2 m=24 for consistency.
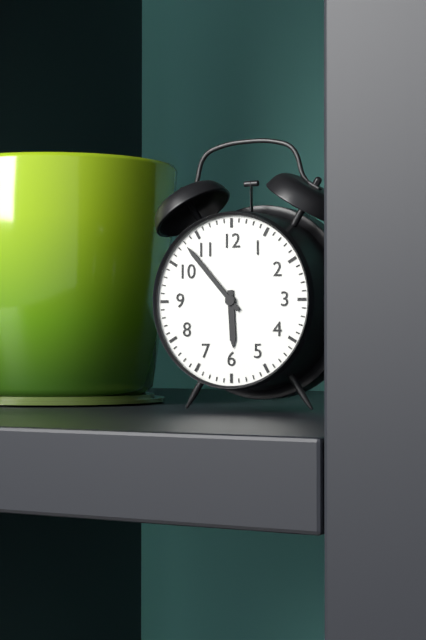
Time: h=5 m=53
